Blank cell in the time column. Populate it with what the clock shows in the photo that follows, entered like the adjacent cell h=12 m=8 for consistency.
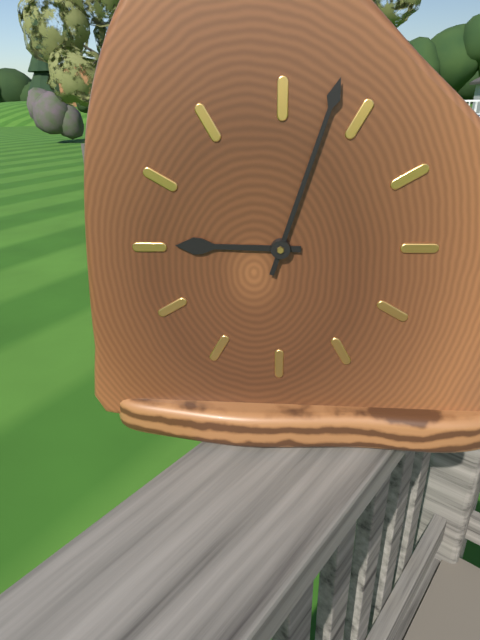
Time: h=9 m=3
